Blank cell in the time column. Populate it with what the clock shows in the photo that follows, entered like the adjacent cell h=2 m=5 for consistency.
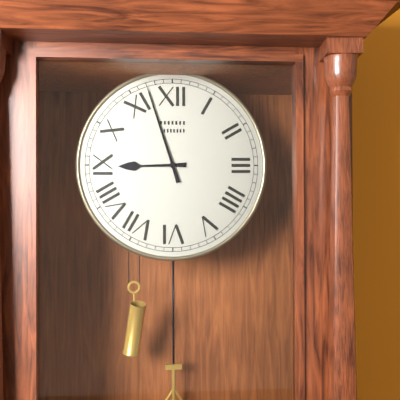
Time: h=8 m=57
